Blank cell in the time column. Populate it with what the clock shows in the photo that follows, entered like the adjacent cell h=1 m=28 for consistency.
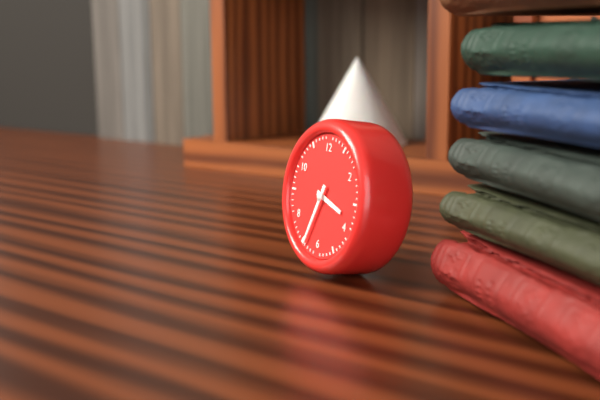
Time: h=3 m=34
